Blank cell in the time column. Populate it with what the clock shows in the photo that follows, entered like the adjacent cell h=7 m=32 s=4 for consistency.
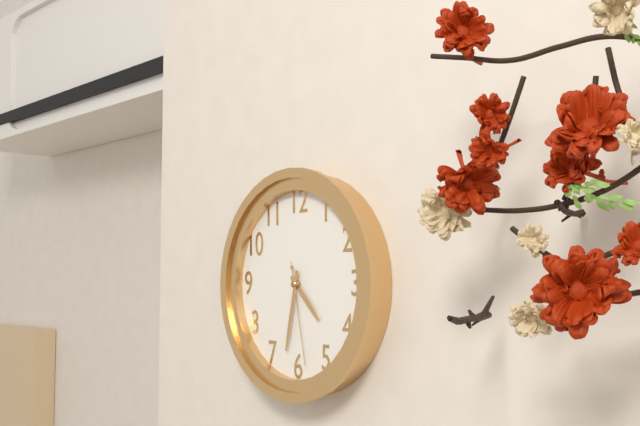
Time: h=4 m=32 s=28
